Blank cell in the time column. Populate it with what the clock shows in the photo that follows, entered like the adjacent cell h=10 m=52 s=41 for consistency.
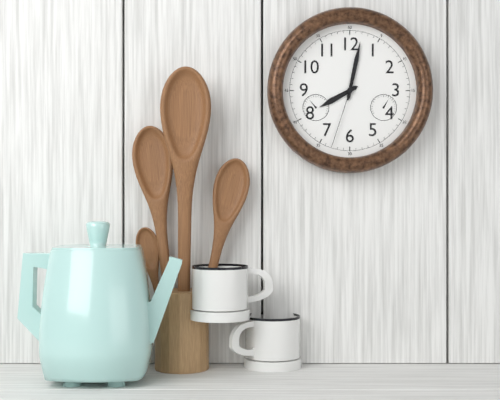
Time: h=8 m=2 s=33
